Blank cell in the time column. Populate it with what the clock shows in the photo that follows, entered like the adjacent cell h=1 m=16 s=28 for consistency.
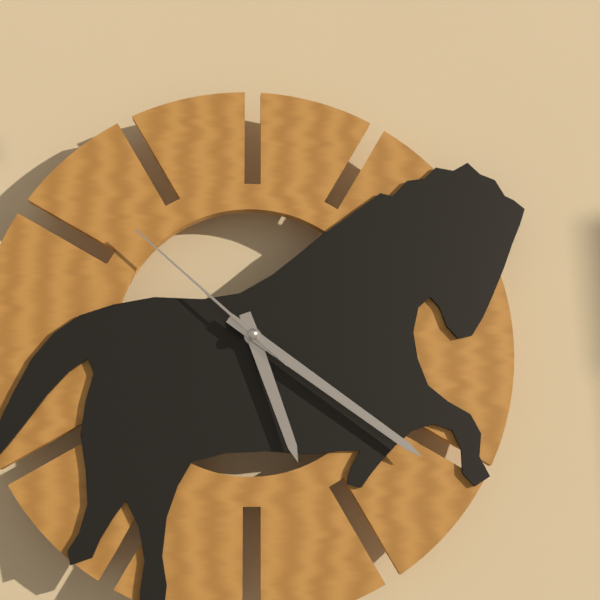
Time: h=5 m=21 s=52
